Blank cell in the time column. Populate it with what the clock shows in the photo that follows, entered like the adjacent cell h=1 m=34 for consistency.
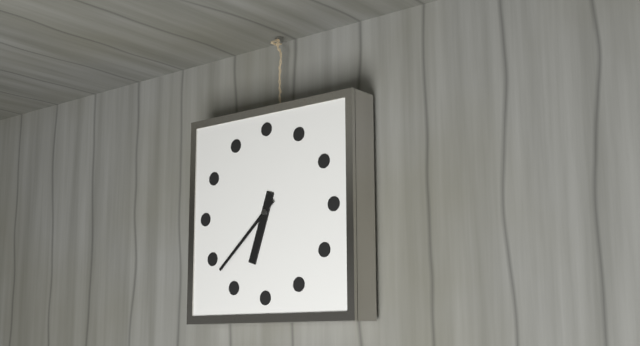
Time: h=6 m=38
